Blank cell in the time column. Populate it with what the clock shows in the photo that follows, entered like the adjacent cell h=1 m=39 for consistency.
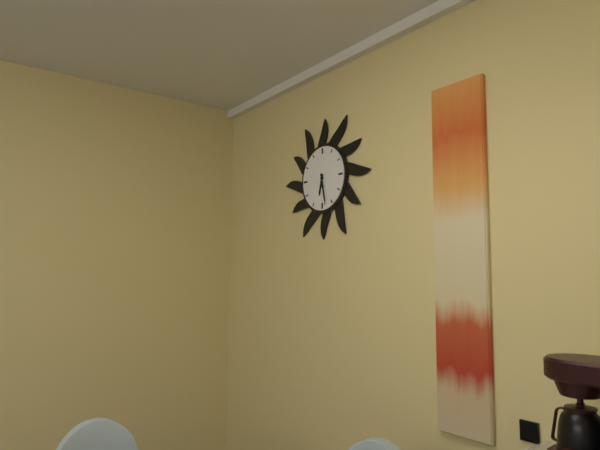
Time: h=6 m=28
